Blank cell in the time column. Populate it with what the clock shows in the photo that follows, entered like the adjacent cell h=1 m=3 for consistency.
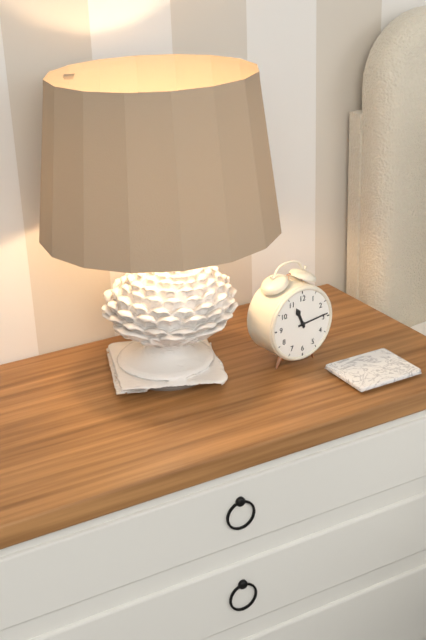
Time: h=11 m=14
